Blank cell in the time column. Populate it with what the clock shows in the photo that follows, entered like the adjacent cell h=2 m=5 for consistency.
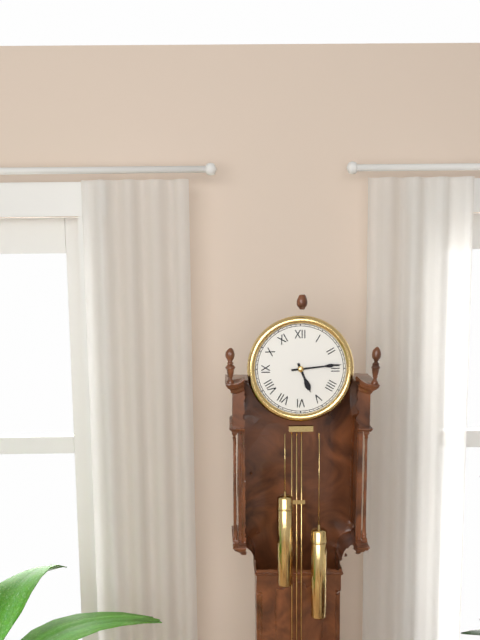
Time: h=5 m=14
